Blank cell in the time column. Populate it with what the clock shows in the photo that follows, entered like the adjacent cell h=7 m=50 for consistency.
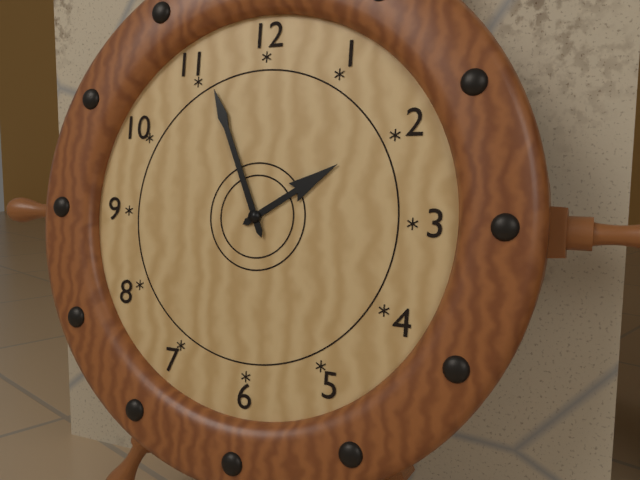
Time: h=1 m=56
